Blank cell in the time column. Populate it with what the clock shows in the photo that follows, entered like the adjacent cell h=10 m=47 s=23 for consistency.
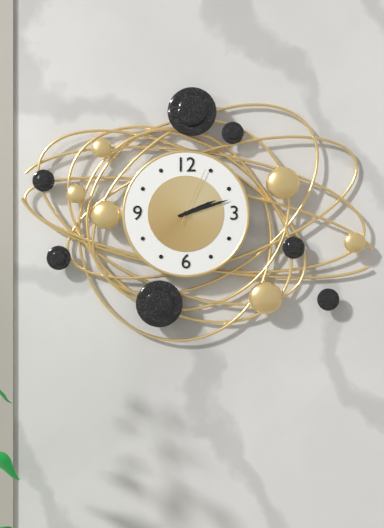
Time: h=2 m=12 s=4
